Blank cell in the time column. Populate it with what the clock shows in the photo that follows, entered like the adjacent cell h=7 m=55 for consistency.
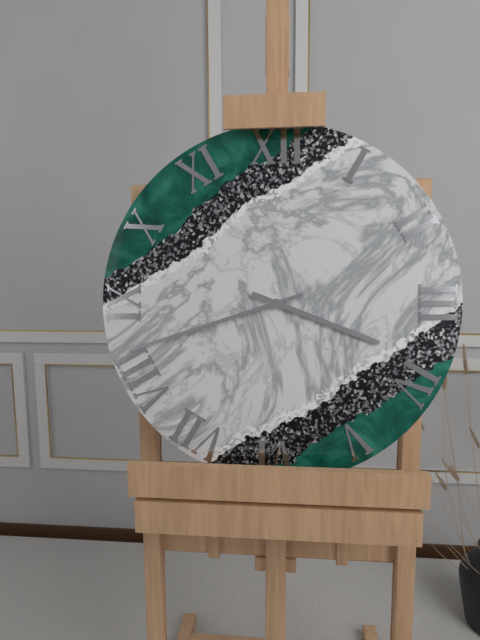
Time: h=3 m=42
